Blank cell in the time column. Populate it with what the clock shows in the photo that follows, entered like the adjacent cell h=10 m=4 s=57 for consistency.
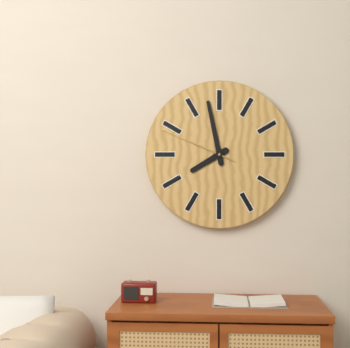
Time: h=7 m=58 s=49
